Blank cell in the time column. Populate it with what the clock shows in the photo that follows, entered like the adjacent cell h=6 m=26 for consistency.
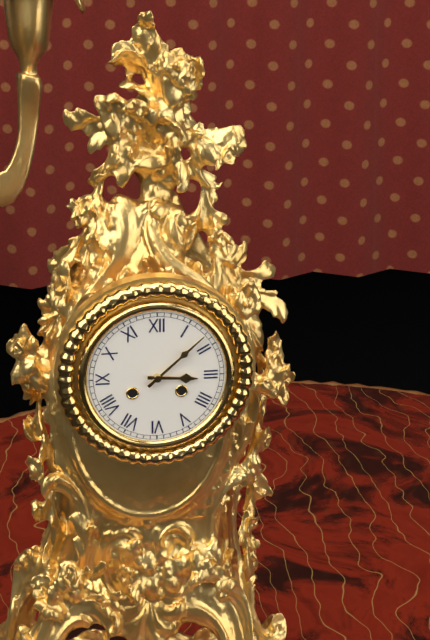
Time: h=3 m=8
